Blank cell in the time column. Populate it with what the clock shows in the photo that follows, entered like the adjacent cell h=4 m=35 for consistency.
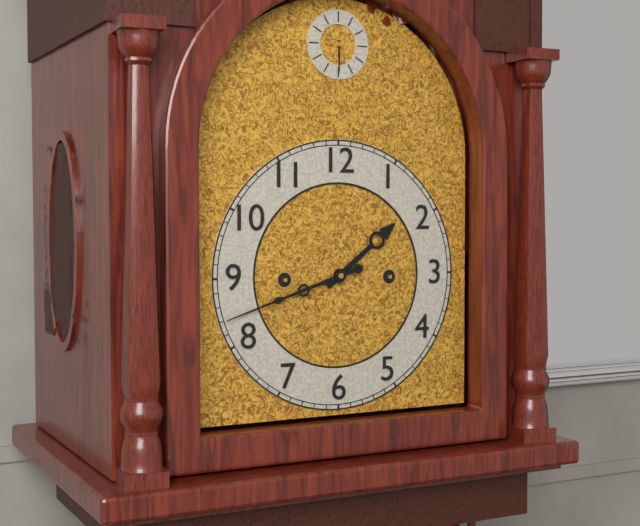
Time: h=1 m=42
